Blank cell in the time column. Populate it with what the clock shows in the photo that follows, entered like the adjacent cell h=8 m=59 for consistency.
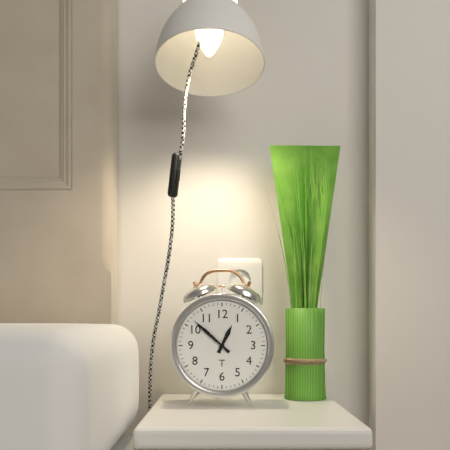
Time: h=12 m=52
